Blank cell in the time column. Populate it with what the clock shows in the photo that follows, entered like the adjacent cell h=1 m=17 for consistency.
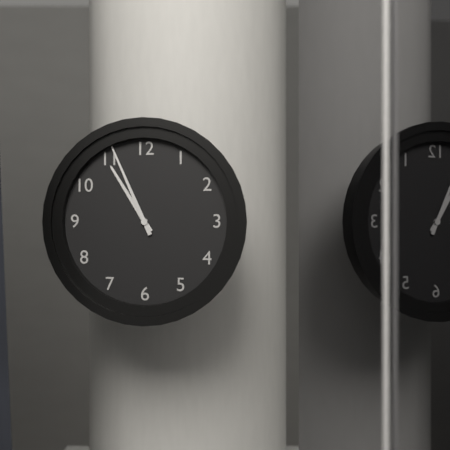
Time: h=10 m=56
